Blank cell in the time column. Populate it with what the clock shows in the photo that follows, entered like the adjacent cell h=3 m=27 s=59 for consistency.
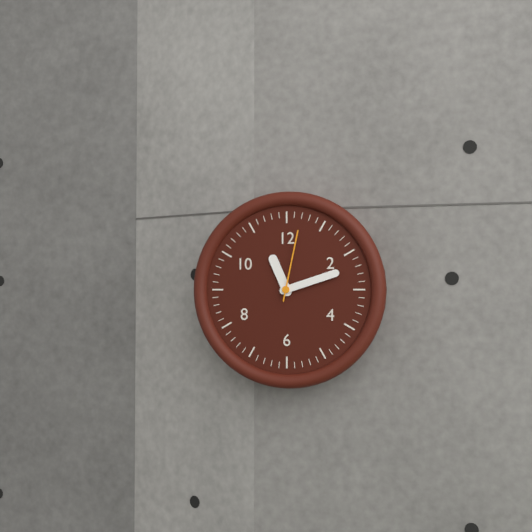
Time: h=11 m=12 s=2
